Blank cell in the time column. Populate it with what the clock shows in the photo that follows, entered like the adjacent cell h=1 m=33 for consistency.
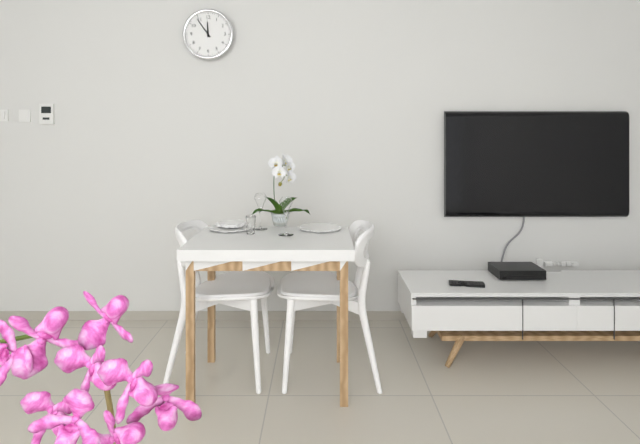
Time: h=11 m=54
